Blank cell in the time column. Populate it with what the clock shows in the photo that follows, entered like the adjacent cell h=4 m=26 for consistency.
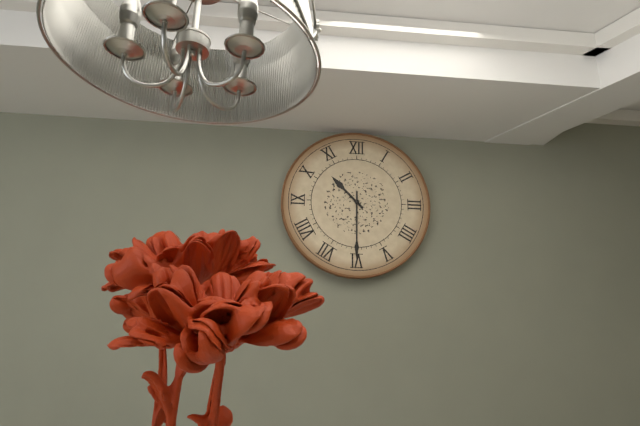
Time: h=10 m=30
